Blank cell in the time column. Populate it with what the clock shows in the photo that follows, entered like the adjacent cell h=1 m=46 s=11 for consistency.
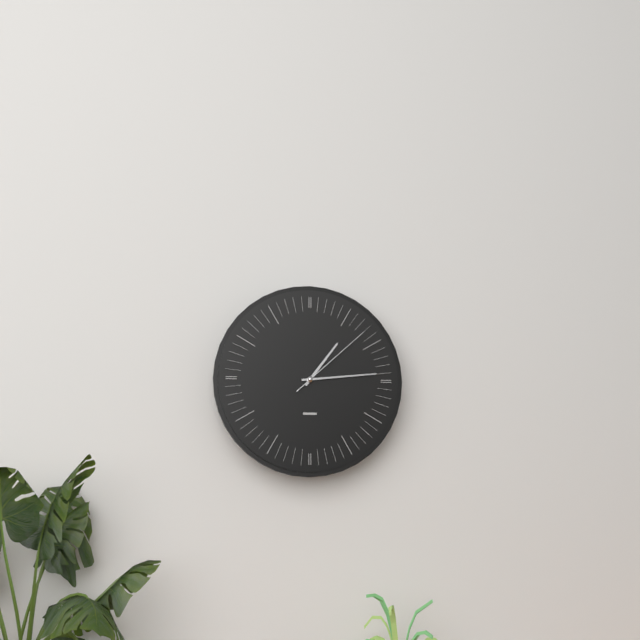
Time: h=1 m=14 s=8
